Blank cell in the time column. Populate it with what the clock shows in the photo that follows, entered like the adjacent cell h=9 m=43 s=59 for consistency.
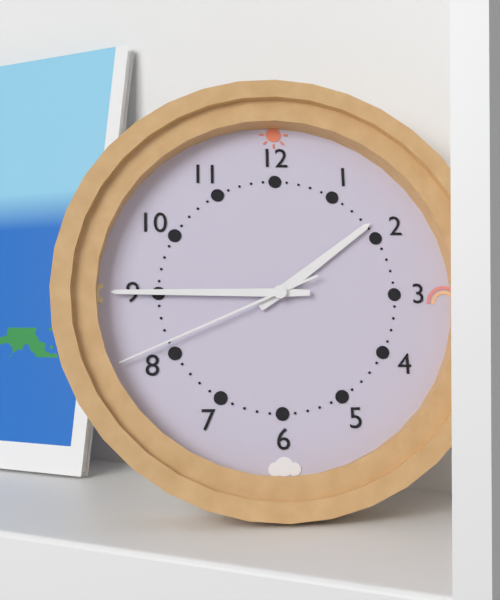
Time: h=1 m=45 s=41
